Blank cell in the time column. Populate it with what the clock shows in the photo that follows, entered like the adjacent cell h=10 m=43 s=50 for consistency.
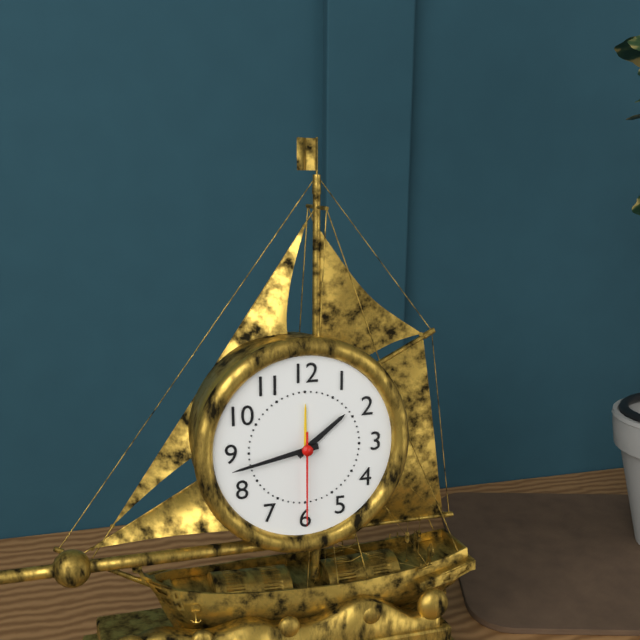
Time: h=1 m=43 s=30
